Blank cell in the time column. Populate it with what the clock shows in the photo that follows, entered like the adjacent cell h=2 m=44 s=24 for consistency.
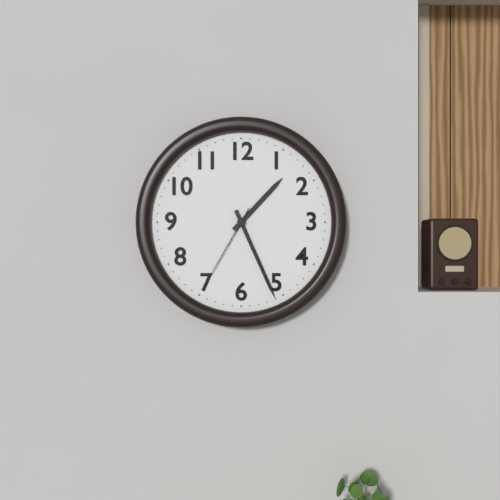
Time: h=1 m=26 s=35
